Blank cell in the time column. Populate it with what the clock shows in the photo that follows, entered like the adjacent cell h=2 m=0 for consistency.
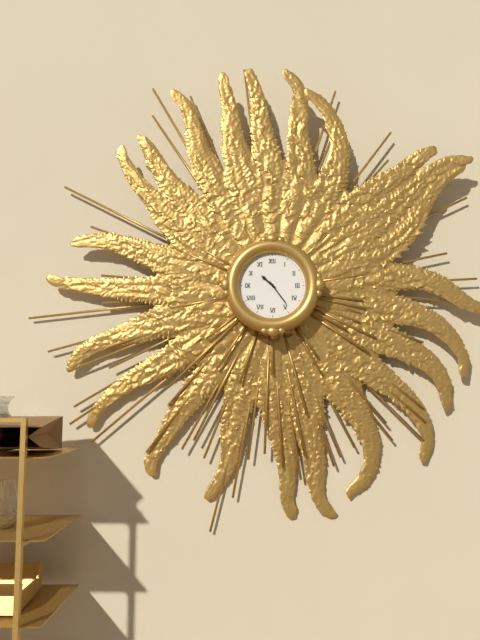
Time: h=10 m=24
